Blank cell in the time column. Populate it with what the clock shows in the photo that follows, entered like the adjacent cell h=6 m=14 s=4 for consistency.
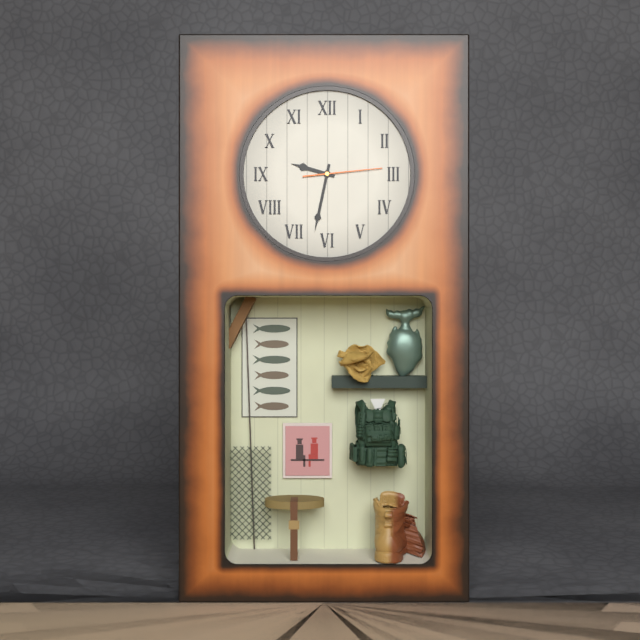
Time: h=9 m=32 s=14
